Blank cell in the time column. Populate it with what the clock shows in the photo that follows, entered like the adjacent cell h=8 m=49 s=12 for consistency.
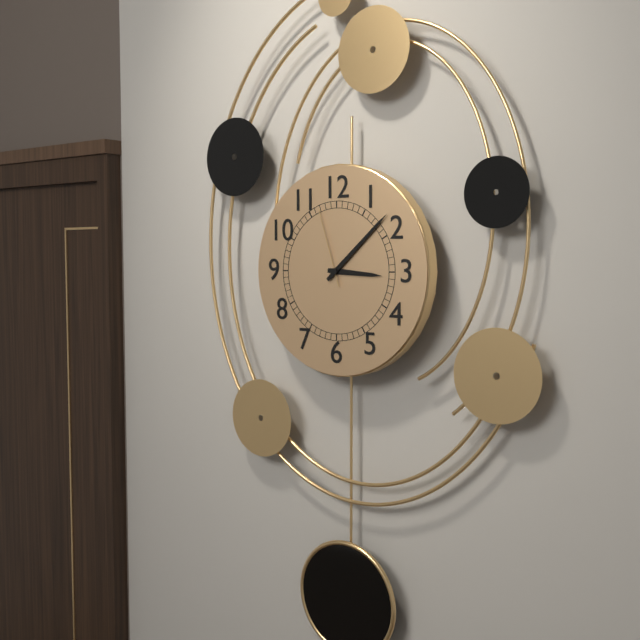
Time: h=3 m=8 s=57
